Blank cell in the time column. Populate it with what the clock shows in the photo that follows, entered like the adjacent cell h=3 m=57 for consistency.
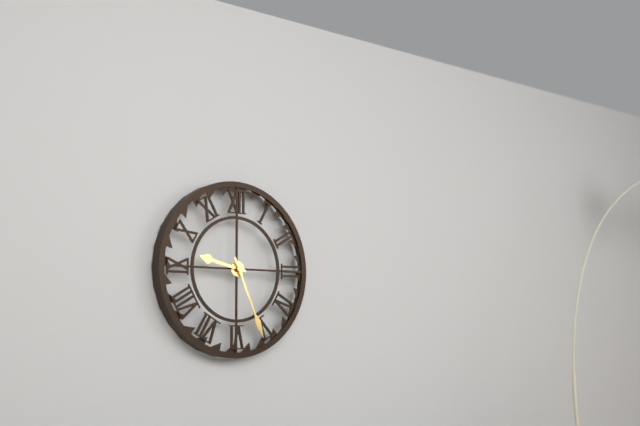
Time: h=9 m=26
